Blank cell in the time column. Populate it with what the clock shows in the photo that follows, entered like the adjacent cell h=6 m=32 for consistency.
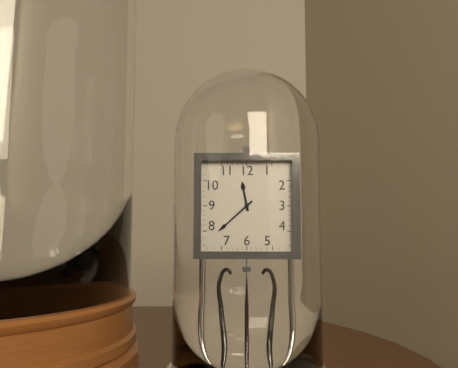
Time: h=11 m=38
